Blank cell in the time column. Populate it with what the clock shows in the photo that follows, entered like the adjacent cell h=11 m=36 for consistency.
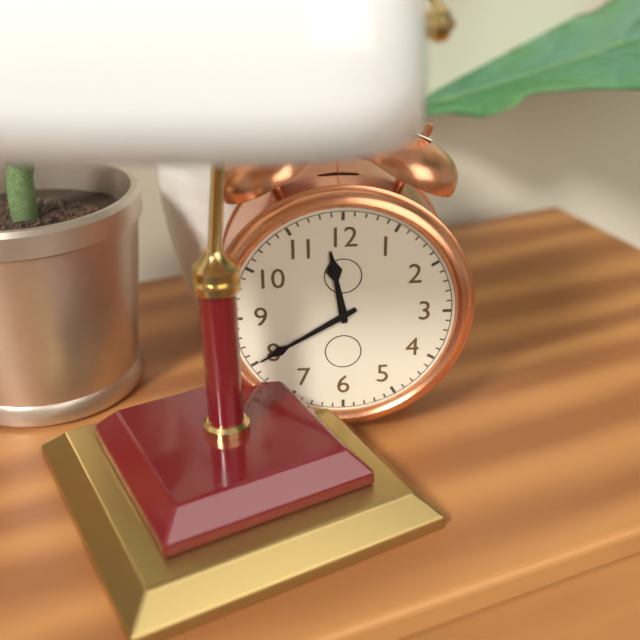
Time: h=11 m=40
